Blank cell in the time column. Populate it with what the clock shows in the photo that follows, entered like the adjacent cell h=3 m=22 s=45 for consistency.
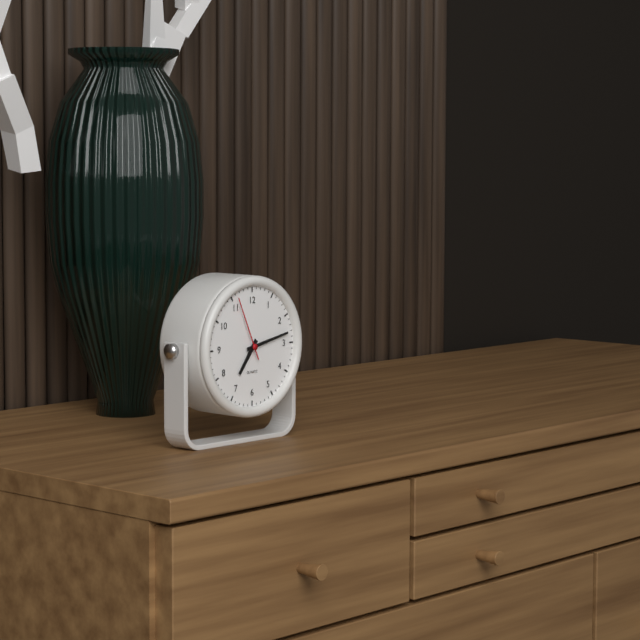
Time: h=7 m=13 s=56
